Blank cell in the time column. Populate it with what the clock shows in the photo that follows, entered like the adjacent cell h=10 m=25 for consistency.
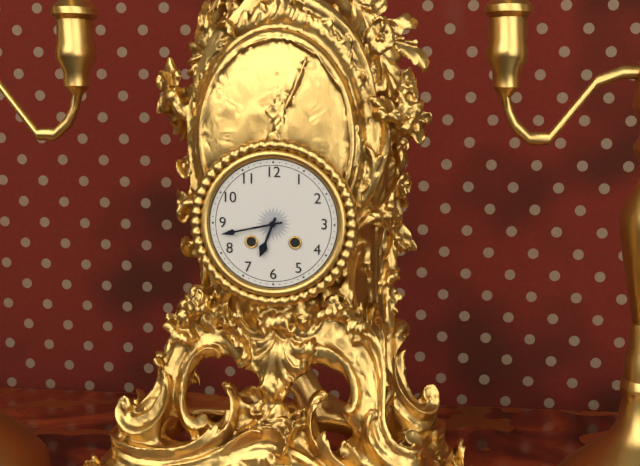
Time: h=6 m=43
